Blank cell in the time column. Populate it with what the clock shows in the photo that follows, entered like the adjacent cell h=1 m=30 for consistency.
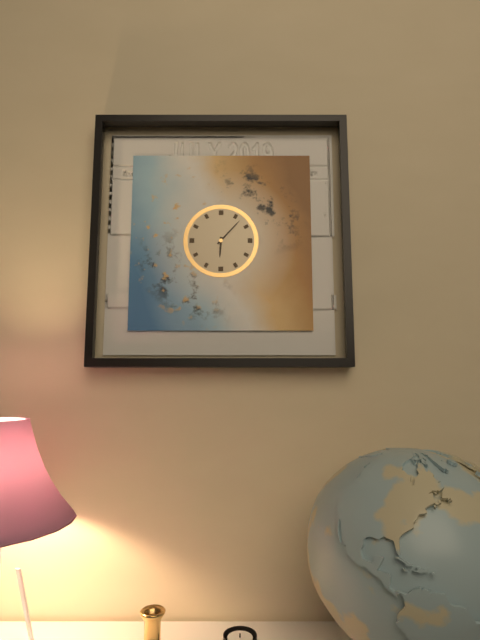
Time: h=6 m=7
